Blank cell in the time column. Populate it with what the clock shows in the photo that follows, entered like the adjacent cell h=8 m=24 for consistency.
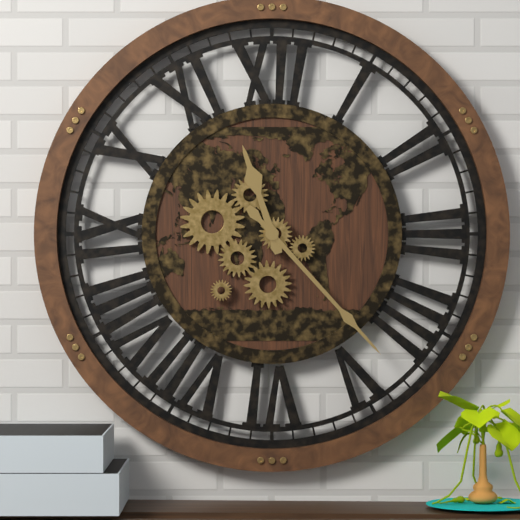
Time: h=11 m=23
